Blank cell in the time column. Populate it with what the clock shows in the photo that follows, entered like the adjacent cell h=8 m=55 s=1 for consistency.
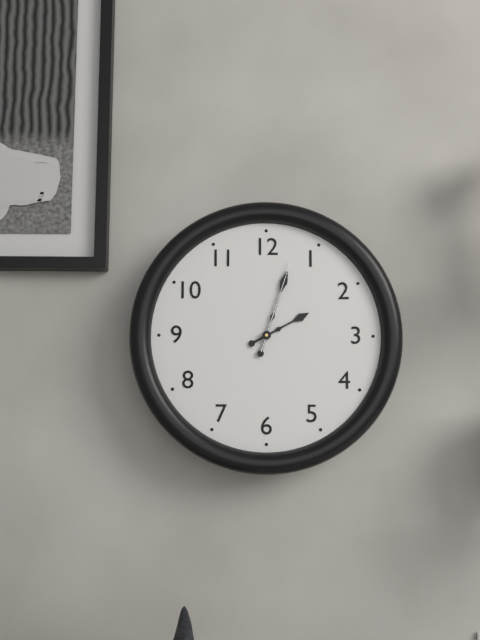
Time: h=2 m=3 s=3
